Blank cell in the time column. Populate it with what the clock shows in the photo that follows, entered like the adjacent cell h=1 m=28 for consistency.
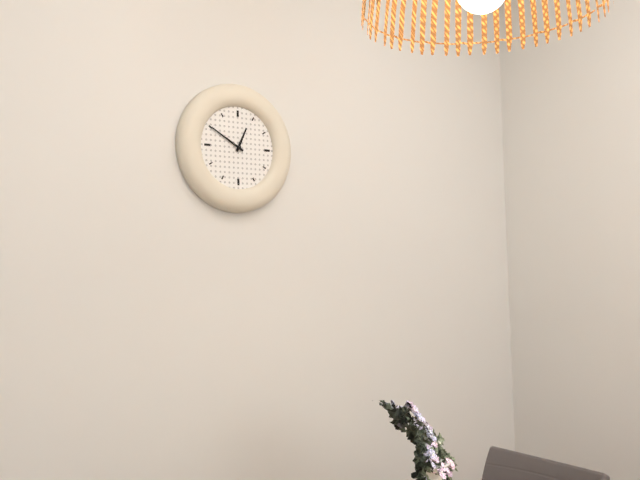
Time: h=12 m=50
